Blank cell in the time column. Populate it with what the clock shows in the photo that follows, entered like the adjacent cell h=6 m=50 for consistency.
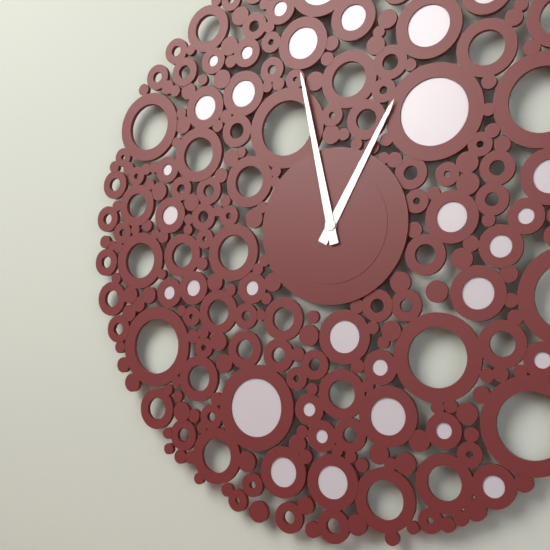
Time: h=12 m=58
